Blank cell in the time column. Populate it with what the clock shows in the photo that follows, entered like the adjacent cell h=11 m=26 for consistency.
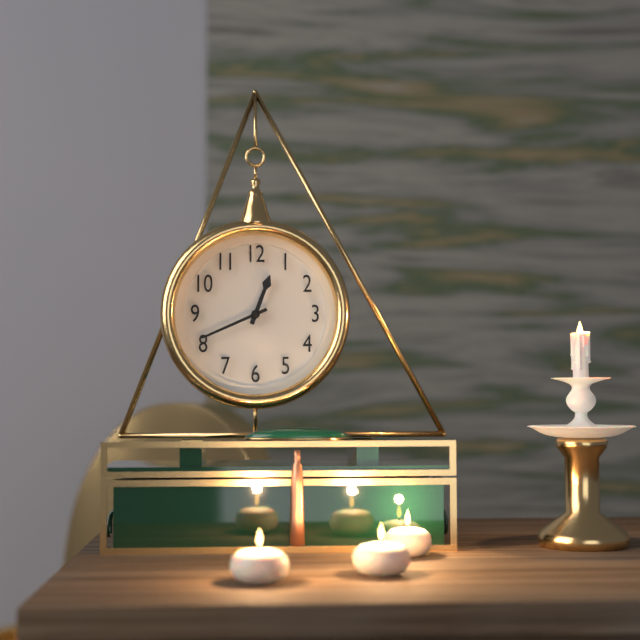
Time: h=12 m=41
